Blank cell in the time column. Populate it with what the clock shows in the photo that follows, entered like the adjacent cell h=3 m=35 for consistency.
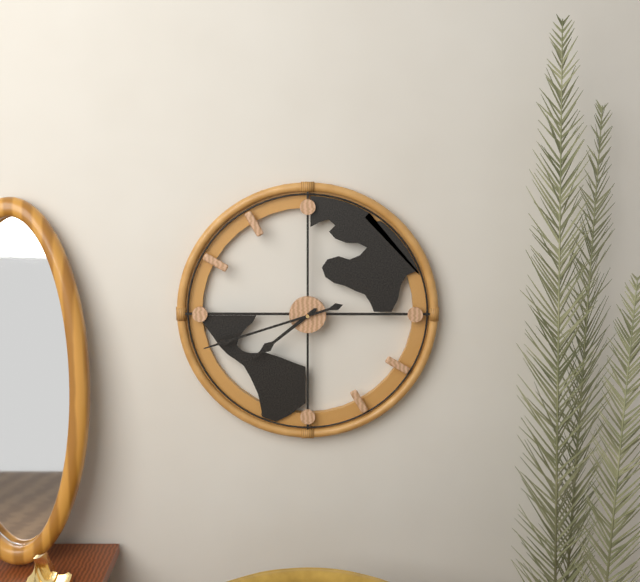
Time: h=7 m=42
